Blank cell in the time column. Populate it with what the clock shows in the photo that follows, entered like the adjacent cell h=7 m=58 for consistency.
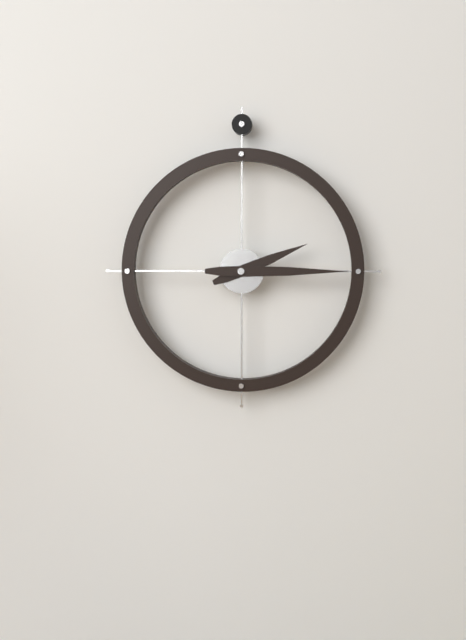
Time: h=2 m=15
